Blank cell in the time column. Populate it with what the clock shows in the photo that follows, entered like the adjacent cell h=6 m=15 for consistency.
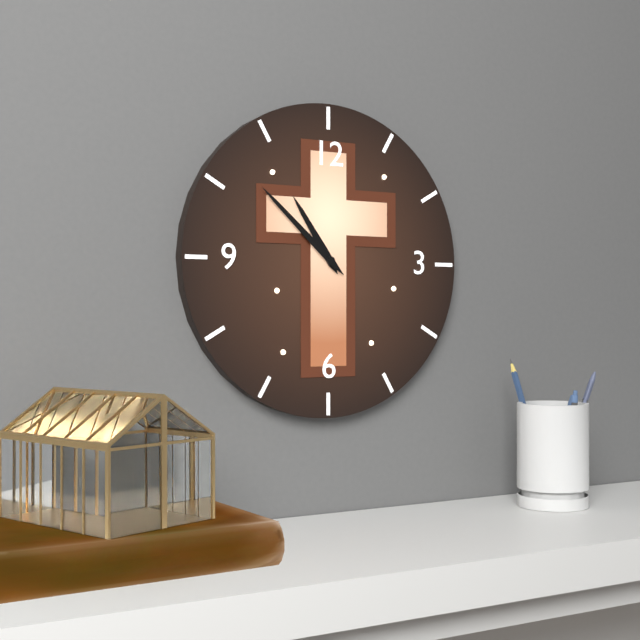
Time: h=10 m=52
